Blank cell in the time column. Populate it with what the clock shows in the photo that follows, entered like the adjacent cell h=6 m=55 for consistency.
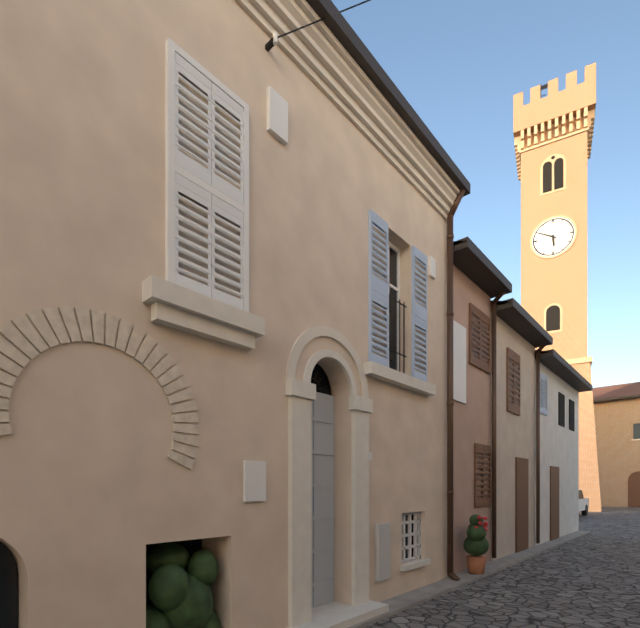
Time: h=5 m=50
